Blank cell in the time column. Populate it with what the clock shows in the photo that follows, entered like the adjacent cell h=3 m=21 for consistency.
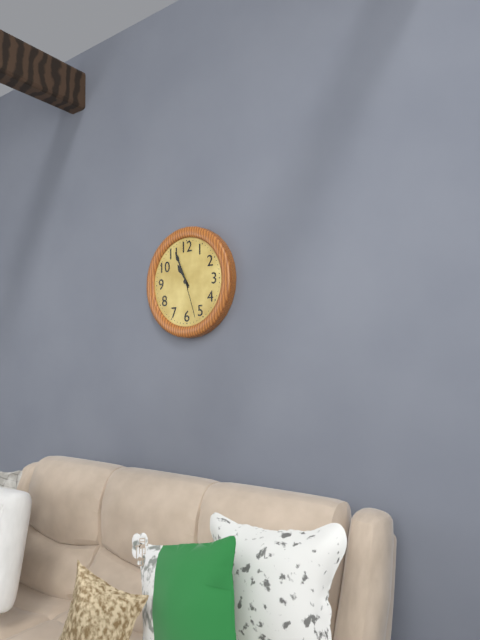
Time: h=10 m=56
